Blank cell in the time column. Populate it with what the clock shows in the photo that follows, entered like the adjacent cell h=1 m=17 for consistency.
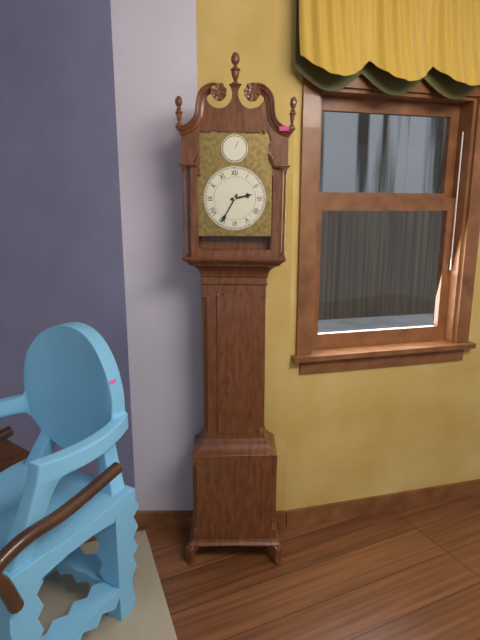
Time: h=2 m=35
